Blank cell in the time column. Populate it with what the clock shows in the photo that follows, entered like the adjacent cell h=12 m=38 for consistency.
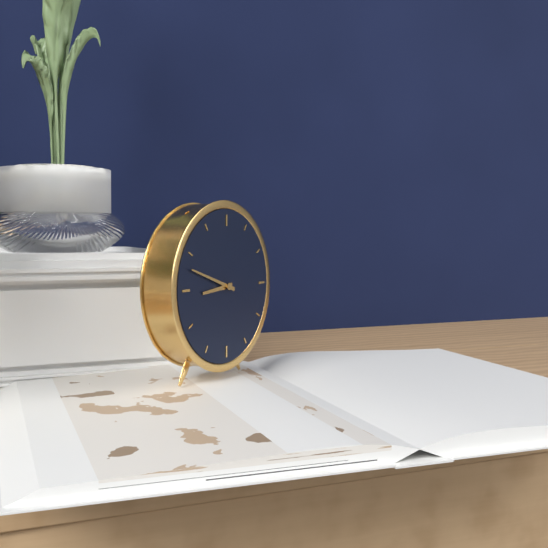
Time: h=8 m=48
